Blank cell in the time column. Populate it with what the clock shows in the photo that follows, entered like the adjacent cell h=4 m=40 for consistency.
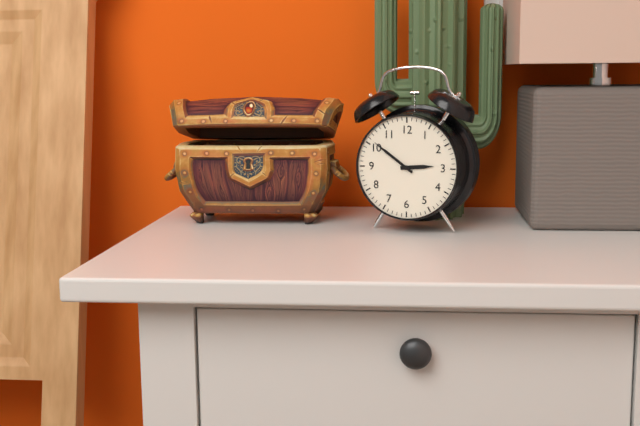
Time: h=2 m=51
